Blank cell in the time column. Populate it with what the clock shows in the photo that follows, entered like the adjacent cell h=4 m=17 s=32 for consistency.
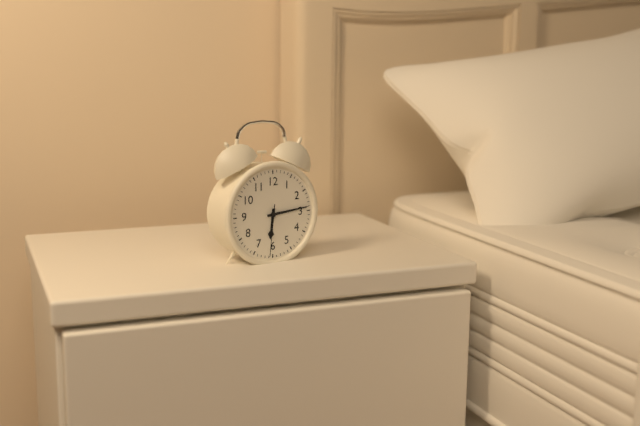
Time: h=6 m=14 s=31
